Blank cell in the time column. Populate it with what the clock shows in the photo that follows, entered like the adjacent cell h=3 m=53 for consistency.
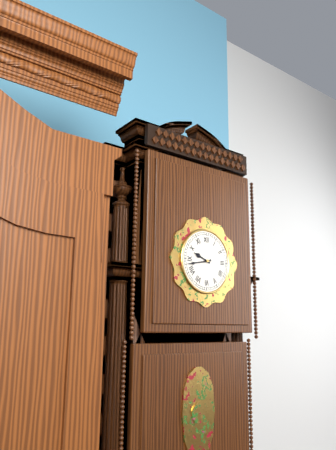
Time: h=9 m=43
